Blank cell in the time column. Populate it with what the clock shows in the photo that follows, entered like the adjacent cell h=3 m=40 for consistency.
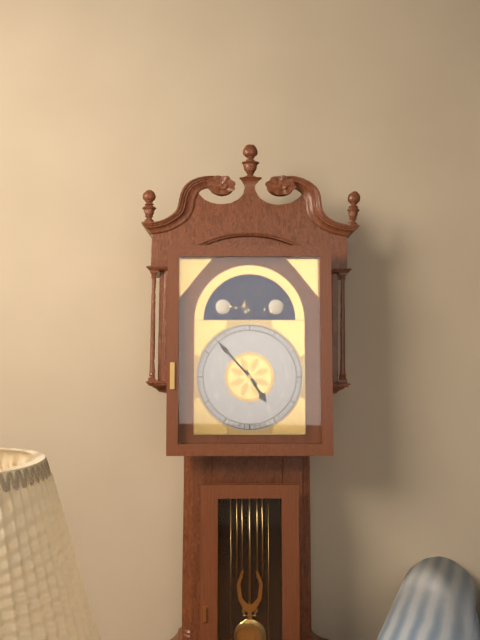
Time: h=4 m=53
